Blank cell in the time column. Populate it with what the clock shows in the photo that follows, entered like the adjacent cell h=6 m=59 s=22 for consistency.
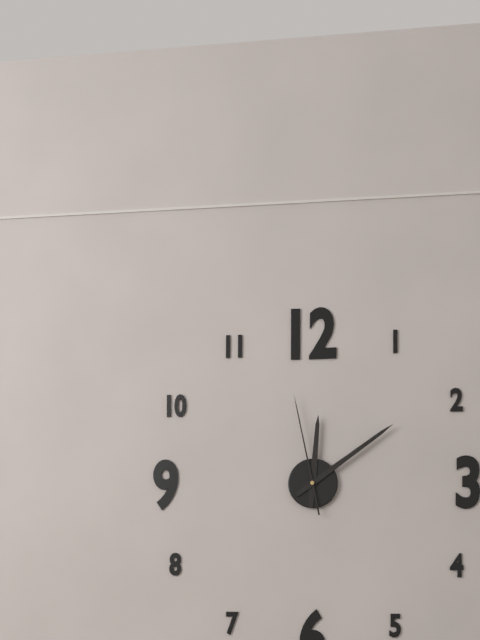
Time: h=12 m=9 s=58
